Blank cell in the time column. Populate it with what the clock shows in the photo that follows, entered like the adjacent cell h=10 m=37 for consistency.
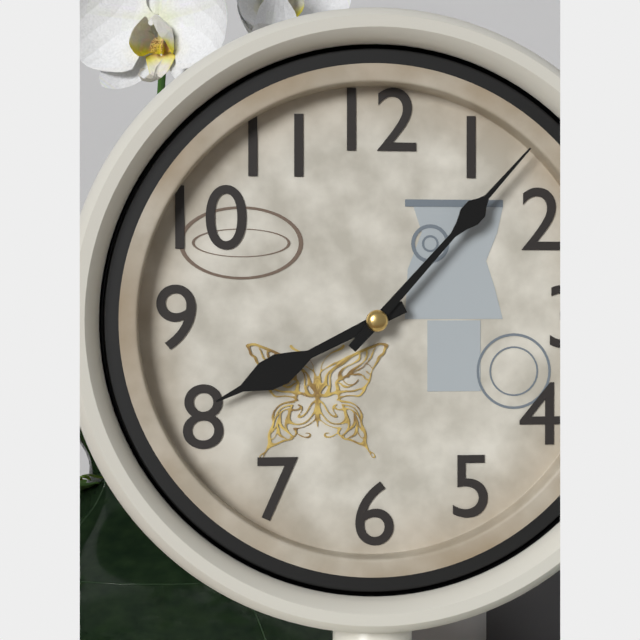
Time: h=8 m=7
